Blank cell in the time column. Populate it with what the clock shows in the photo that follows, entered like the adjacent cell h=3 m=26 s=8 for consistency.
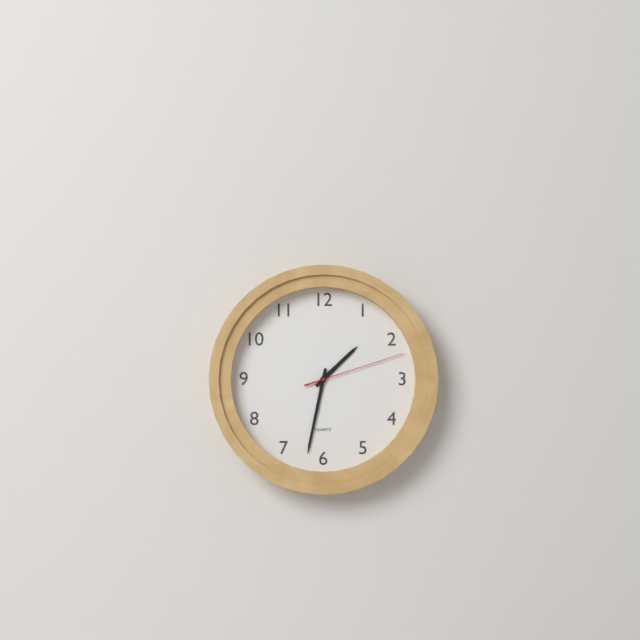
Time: h=1 m=32 s=12
